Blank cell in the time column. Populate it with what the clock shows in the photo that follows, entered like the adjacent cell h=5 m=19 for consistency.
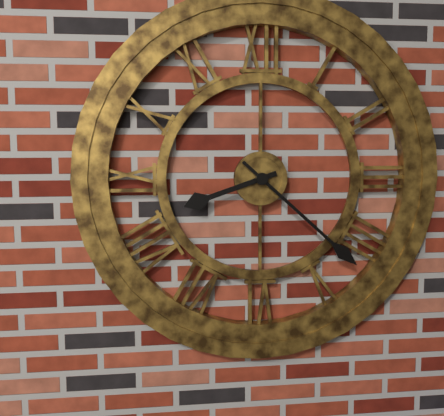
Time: h=8 m=22
